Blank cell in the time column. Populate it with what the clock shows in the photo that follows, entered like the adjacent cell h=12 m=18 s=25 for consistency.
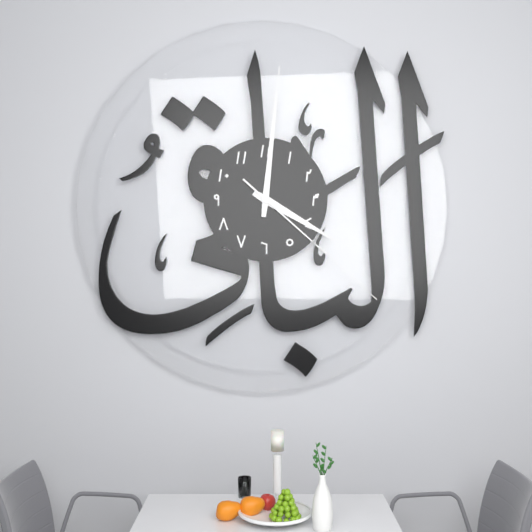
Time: h=4 m=1 s=22
